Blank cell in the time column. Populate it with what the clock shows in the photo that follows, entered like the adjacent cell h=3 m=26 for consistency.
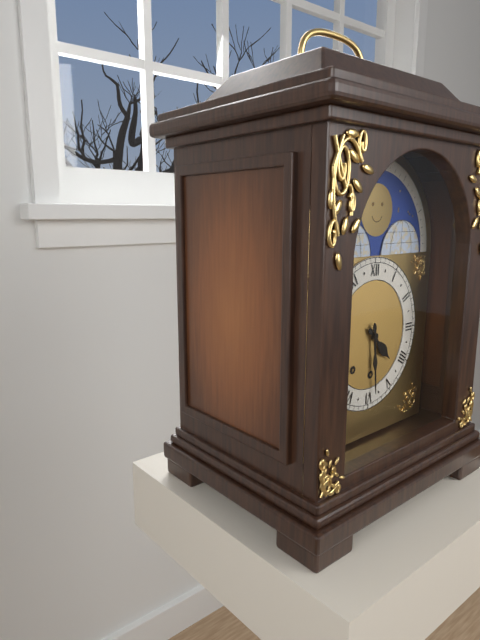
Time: h=4 m=29
